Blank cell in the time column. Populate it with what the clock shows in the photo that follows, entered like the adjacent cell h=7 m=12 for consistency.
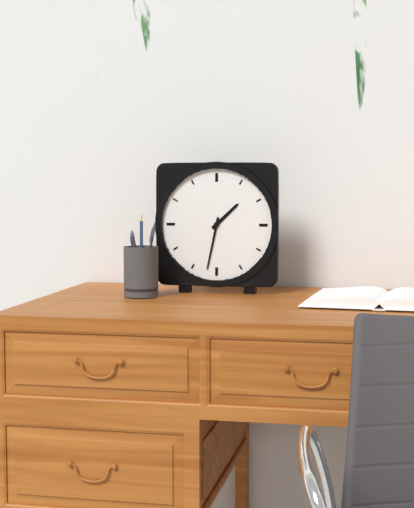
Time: h=1 m=32
